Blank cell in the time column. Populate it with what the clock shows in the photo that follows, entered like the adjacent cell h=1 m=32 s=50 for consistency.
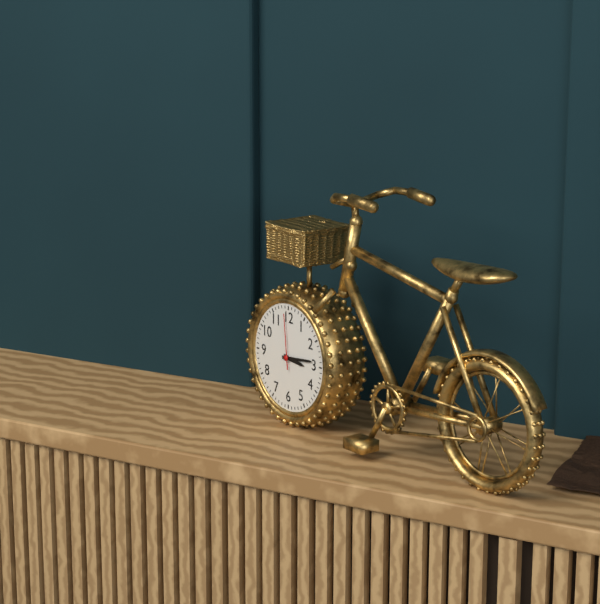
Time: h=3 m=14 s=59
